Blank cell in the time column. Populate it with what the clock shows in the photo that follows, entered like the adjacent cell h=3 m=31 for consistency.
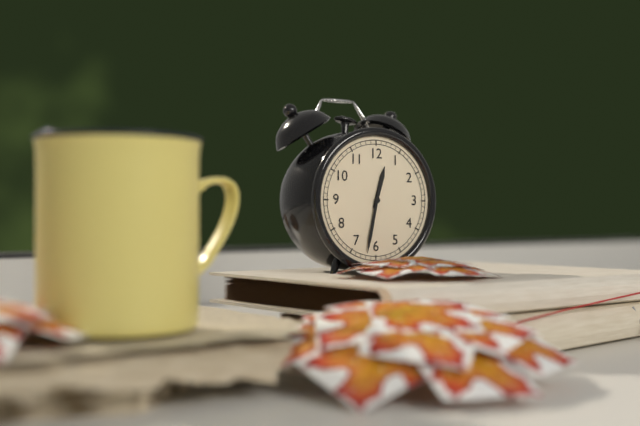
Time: h=12 m=32
